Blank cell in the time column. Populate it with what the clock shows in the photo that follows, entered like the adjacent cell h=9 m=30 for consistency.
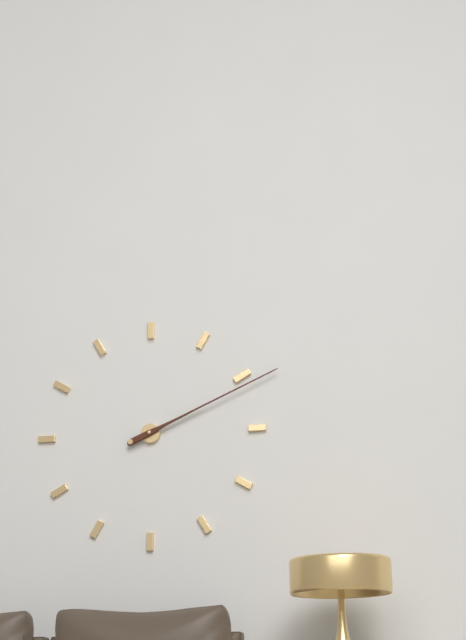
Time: h=2 m=11
